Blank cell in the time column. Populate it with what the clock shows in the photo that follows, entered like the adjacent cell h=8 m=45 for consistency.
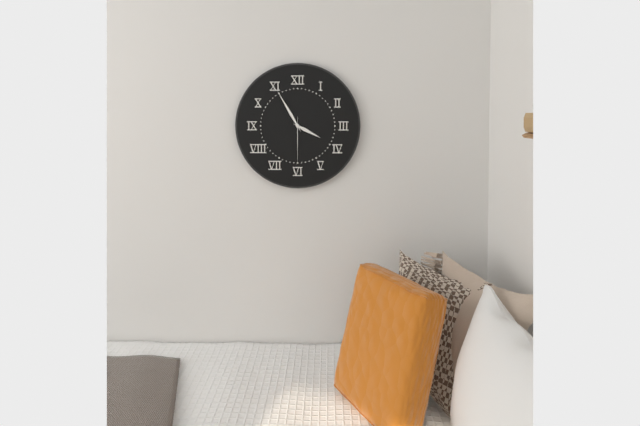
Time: h=3 m=55
